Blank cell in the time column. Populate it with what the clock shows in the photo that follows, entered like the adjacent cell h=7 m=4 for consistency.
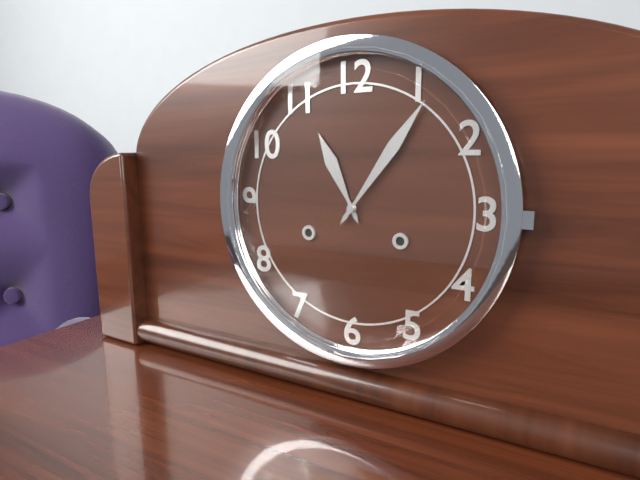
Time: h=11 m=6
